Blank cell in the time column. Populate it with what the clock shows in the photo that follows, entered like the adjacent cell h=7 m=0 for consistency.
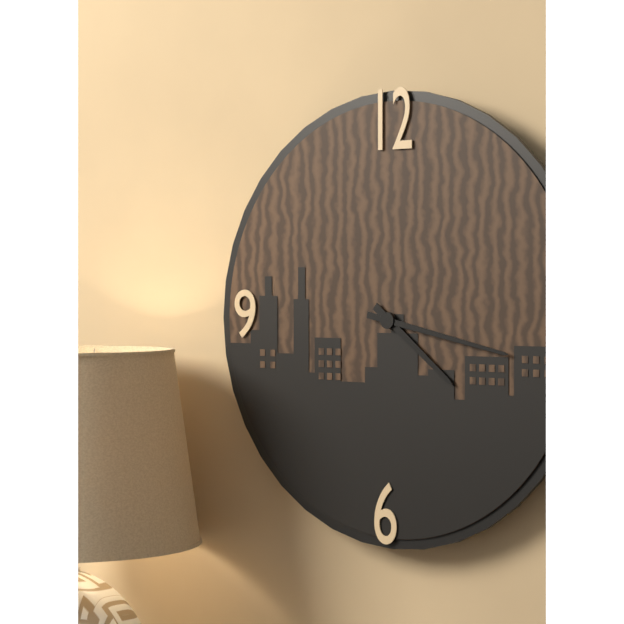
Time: h=4 m=17
